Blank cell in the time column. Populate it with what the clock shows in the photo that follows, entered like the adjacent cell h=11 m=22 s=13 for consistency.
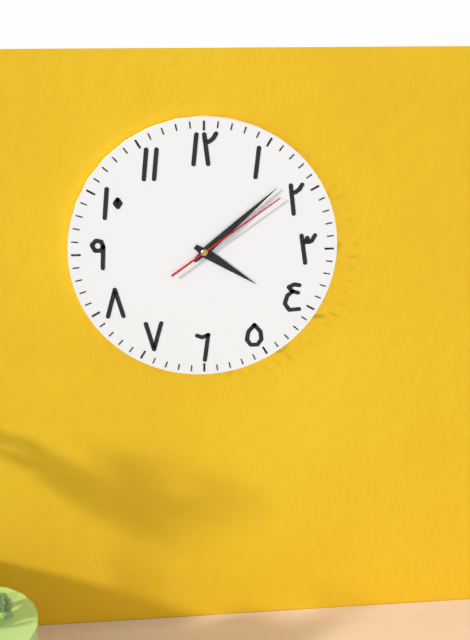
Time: h=4 m=8 s=9
